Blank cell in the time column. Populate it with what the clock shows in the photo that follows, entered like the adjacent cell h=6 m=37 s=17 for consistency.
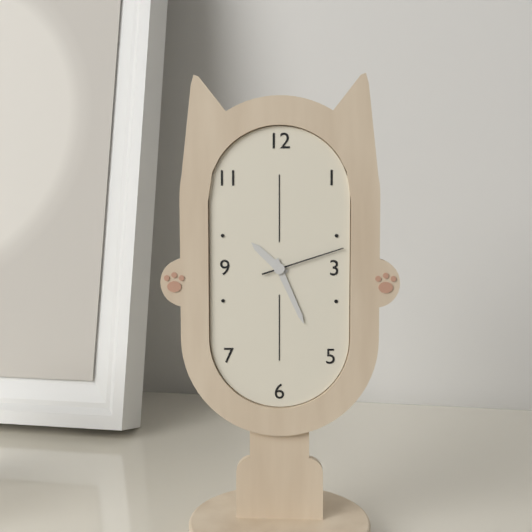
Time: h=10 m=26 s=12
